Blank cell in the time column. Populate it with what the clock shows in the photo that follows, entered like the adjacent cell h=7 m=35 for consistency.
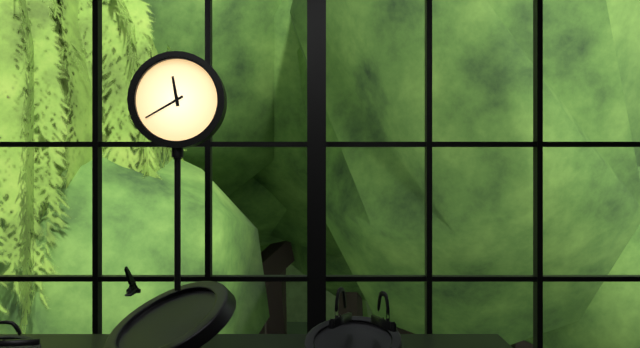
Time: h=11 m=40
